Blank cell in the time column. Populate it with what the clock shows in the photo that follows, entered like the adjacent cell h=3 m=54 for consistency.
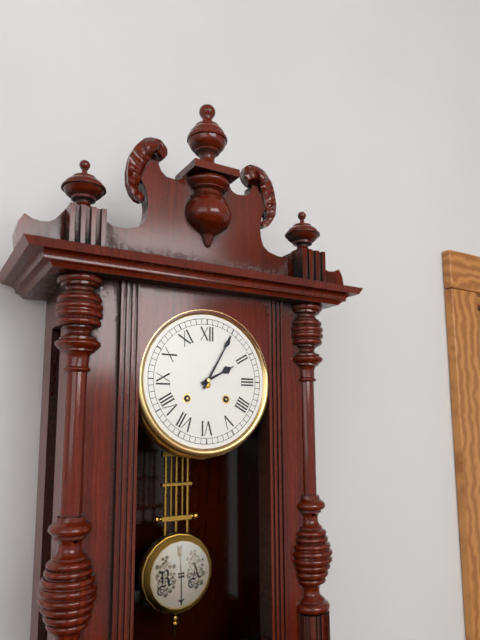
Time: h=2 m=5
